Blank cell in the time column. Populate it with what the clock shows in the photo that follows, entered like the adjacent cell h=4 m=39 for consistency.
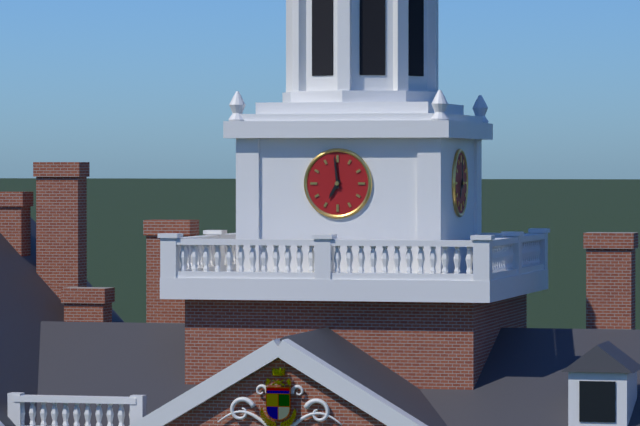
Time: h=6 m=59
